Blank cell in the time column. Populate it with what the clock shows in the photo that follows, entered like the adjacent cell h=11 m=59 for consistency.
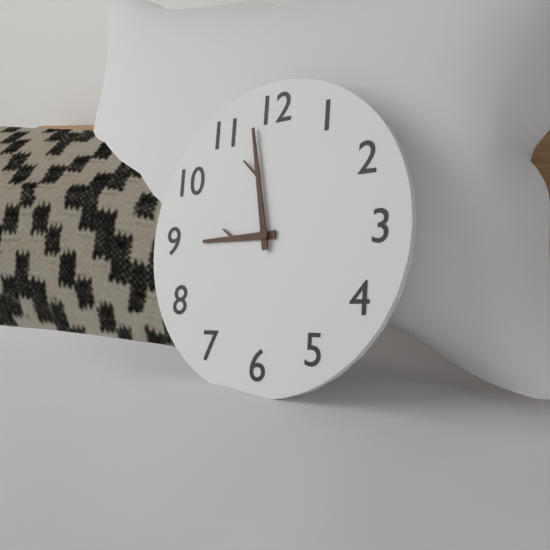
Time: h=8 m=58
